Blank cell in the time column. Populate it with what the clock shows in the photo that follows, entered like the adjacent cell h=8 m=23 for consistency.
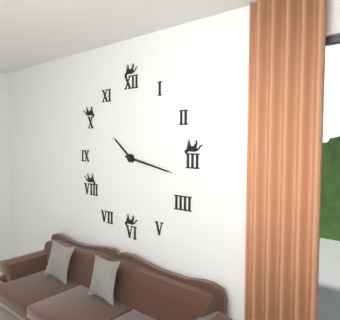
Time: h=10 m=17
